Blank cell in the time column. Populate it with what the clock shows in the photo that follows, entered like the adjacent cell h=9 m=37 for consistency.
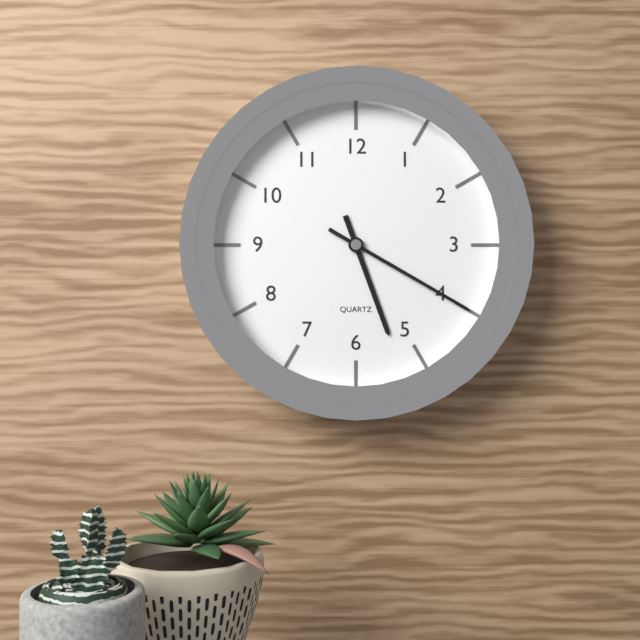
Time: h=5 m=20
